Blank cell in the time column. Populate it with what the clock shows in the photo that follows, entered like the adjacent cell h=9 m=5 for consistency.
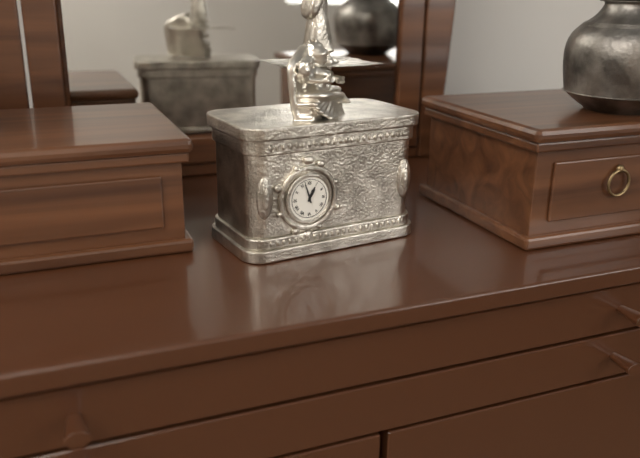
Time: h=12 m=57
